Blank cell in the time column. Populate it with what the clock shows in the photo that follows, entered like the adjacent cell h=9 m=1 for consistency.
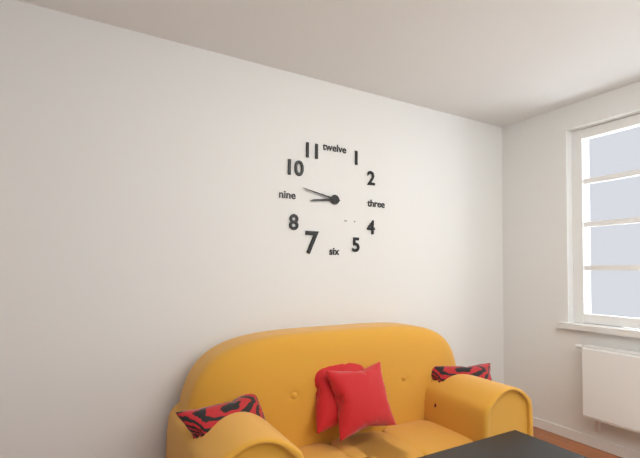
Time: h=8 m=47
